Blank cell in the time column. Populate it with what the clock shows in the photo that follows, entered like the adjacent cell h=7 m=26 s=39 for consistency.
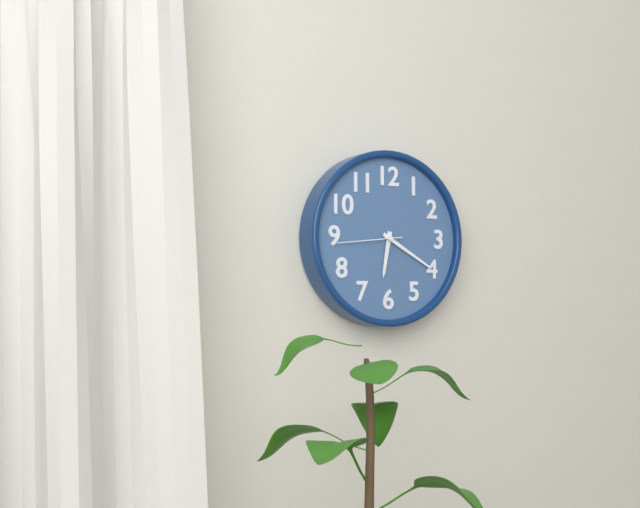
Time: h=6 m=20 s=44
